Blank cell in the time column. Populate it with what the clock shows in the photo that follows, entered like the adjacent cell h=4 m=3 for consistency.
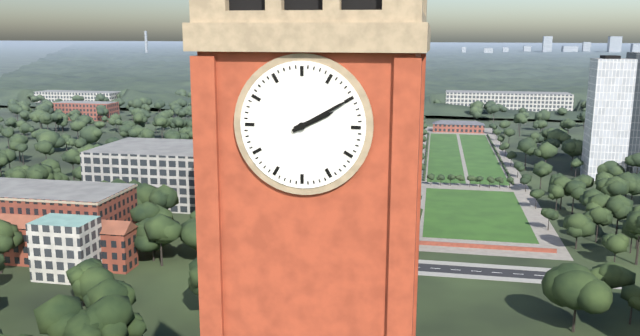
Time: h=2 m=10
